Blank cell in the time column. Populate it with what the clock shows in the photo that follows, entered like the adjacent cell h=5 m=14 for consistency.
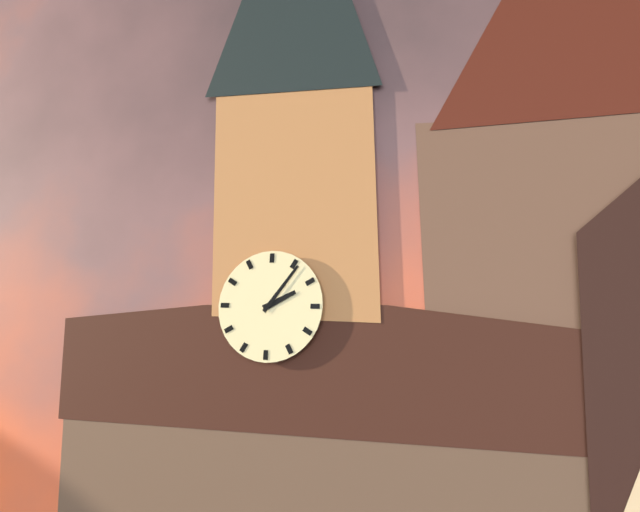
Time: h=2 m=6
